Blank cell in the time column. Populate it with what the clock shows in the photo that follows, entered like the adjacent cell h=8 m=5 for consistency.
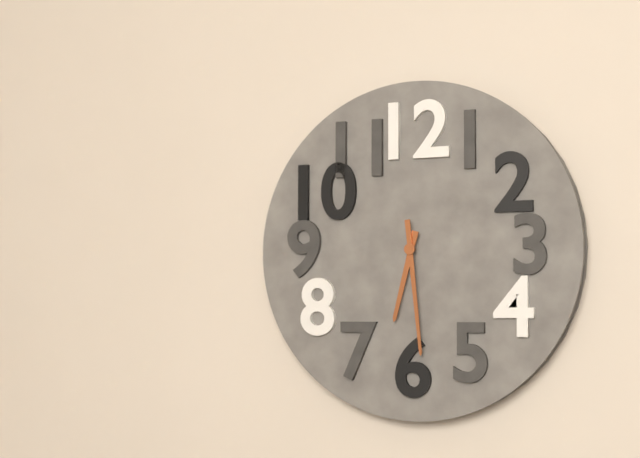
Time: h=6 m=29
